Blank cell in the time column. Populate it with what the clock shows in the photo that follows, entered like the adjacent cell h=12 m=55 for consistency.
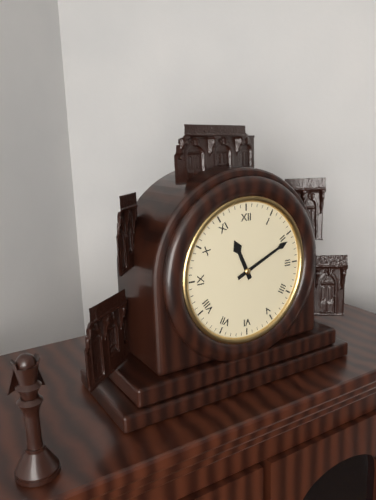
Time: h=11 m=11
